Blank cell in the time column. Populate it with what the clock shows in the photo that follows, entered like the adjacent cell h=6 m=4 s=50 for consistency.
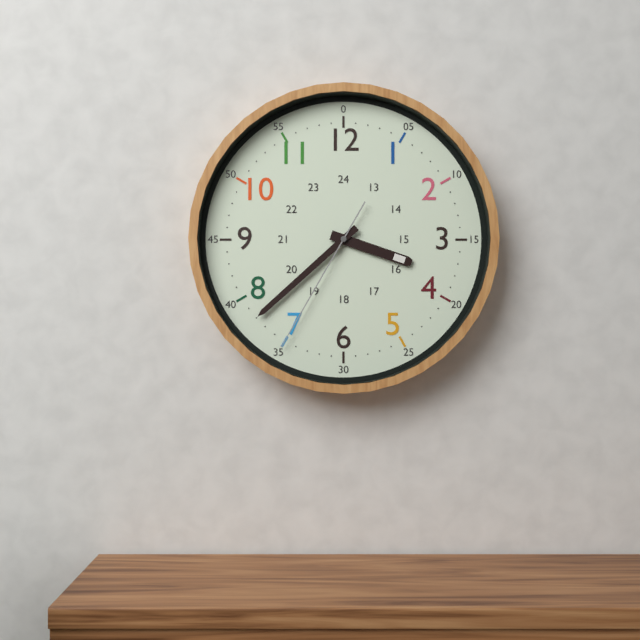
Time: h=3 m=38 s=35
